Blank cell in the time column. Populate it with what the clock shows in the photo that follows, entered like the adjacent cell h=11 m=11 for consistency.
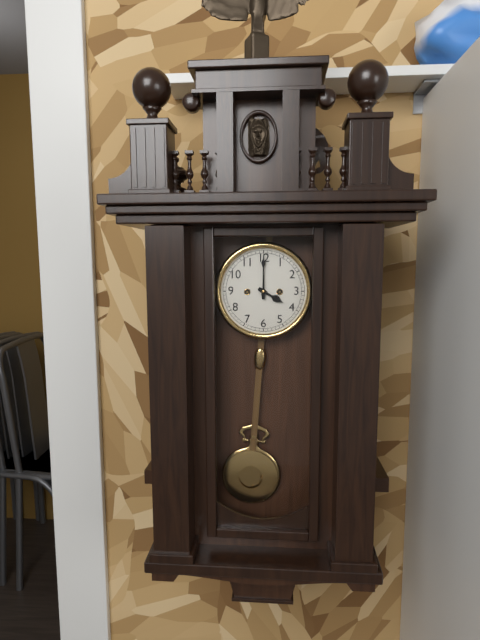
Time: h=4 m=0
